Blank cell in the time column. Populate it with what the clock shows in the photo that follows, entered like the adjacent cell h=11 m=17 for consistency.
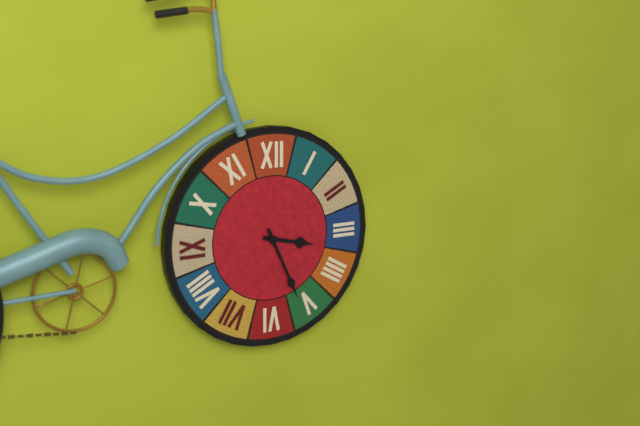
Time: h=3 m=26
